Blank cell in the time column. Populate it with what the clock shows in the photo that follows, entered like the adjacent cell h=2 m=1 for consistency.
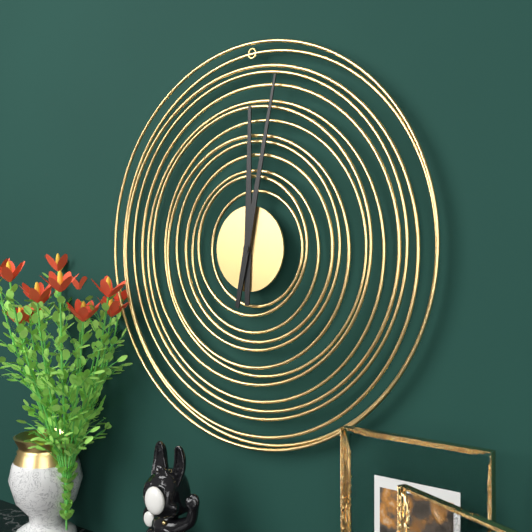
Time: h=12 m=2
